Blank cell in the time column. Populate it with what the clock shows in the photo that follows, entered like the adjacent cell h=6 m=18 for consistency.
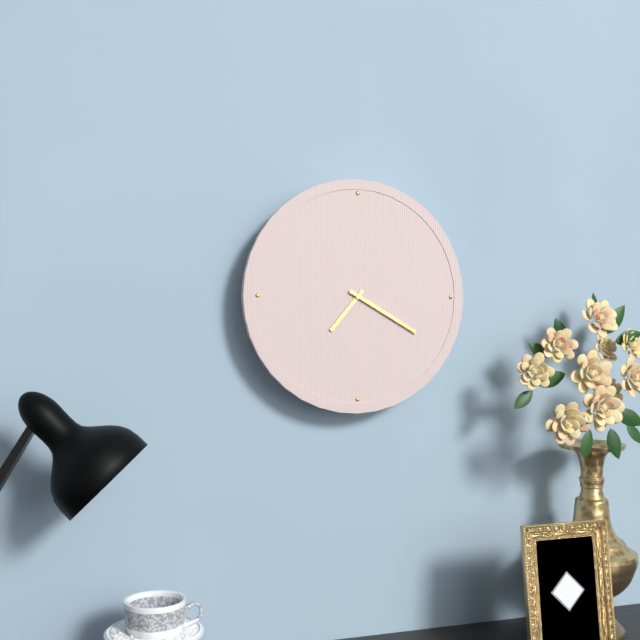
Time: h=7 m=20
